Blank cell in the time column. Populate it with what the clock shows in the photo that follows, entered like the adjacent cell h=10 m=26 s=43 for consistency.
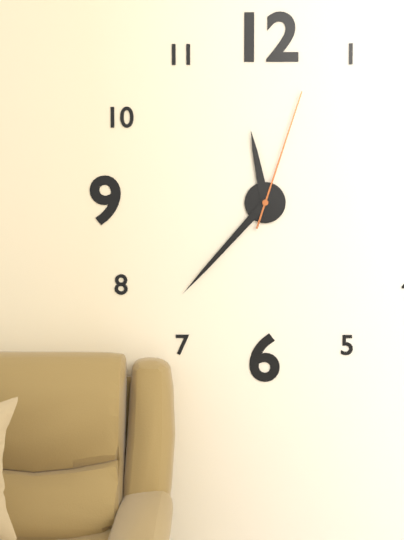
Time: h=11 m=37 s=3
